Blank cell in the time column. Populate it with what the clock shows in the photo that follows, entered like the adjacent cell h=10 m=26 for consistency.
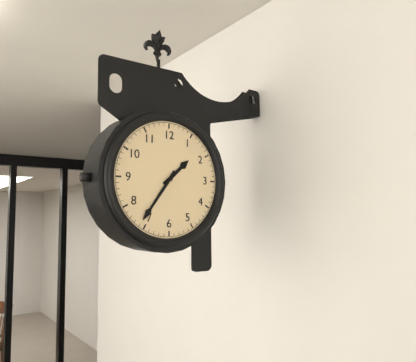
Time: h=1 m=36
